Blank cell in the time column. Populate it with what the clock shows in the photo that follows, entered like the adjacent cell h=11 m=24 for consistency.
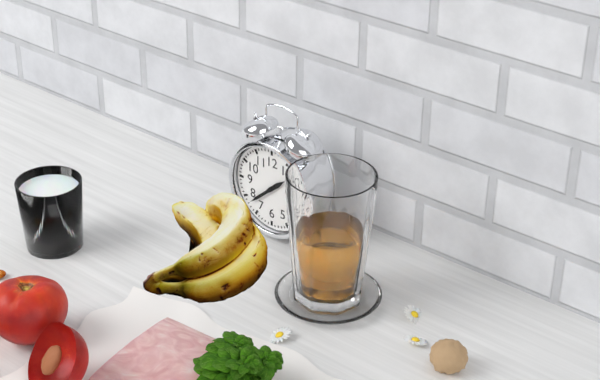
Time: h=1 m=38
